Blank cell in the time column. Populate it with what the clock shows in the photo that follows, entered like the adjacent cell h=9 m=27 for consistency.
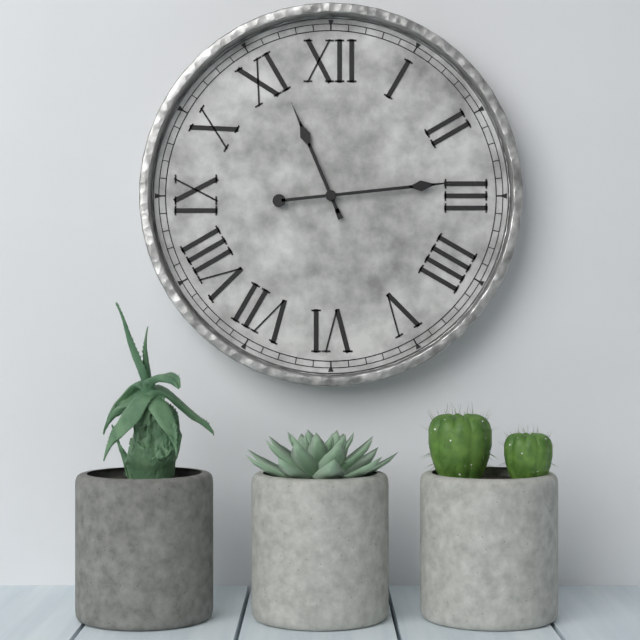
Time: h=11 m=14
